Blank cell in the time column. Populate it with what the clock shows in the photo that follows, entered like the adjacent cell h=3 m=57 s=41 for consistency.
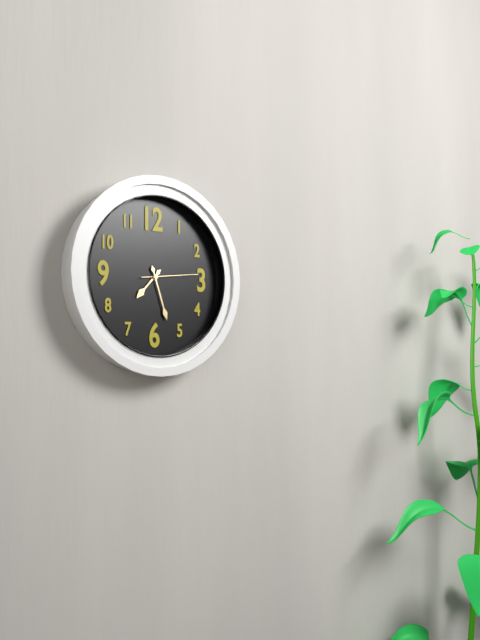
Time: h=7 m=27 s=14
